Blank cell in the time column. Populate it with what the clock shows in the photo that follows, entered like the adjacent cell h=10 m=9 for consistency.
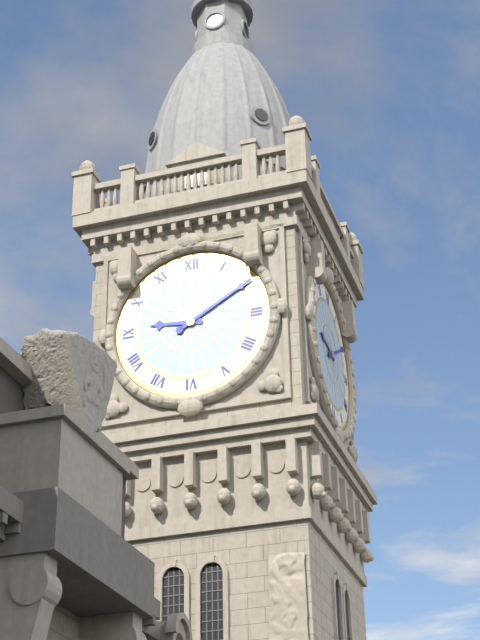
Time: h=9 m=10
